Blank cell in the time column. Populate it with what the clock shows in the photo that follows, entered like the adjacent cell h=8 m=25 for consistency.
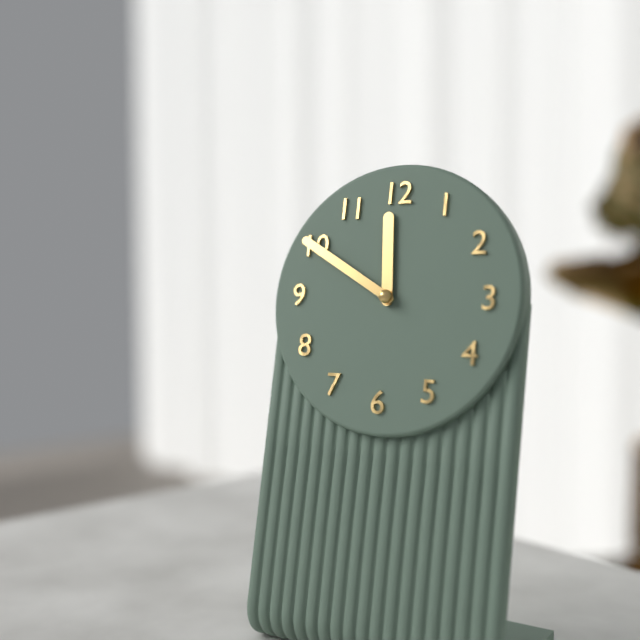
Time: h=11 m=50
